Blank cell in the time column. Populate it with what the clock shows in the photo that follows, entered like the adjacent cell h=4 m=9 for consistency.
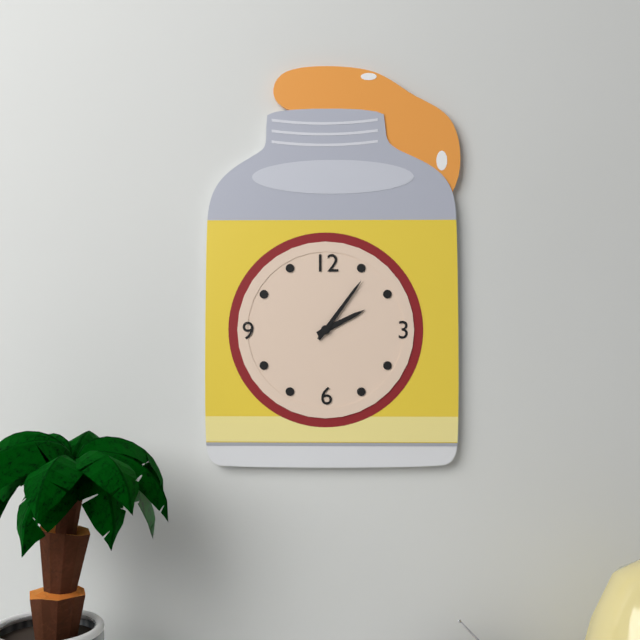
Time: h=2 m=6
